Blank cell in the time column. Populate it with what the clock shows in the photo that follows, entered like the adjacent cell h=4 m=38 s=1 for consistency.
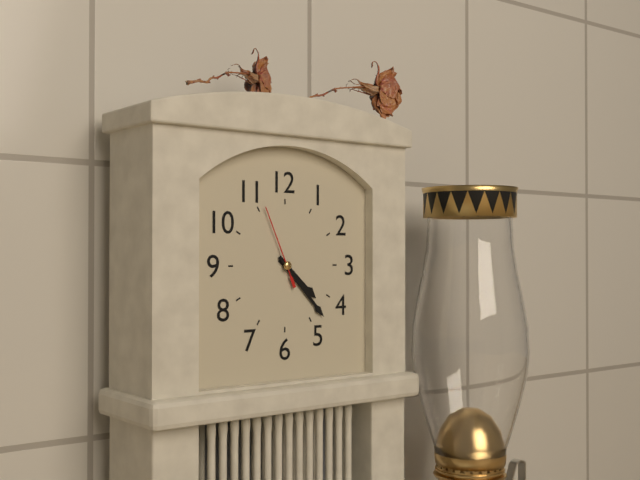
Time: h=4 m=23 s=56
